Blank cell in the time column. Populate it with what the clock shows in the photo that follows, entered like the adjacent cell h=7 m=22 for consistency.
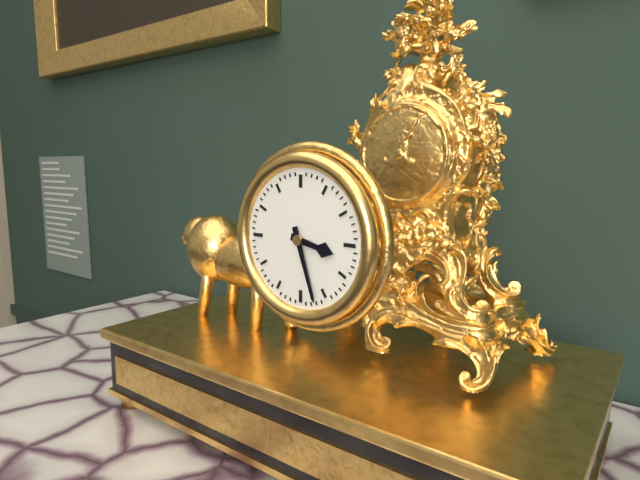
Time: h=3 m=27
